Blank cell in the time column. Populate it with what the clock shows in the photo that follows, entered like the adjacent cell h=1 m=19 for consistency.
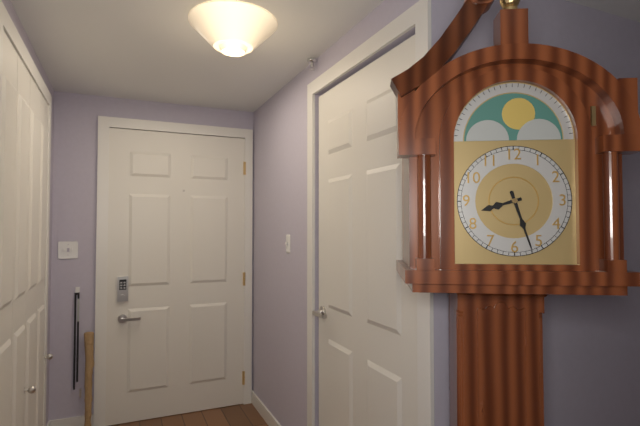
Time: h=8 m=27
